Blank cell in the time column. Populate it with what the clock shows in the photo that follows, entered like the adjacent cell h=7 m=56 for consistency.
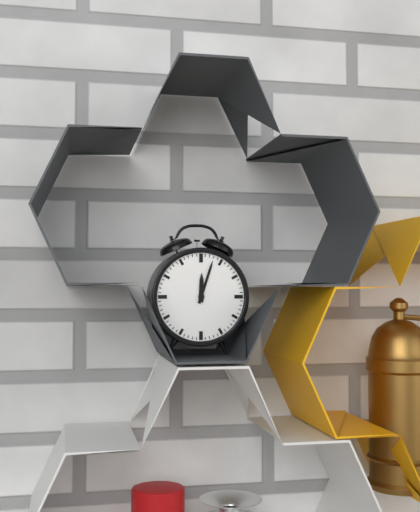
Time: h=12 m=3
